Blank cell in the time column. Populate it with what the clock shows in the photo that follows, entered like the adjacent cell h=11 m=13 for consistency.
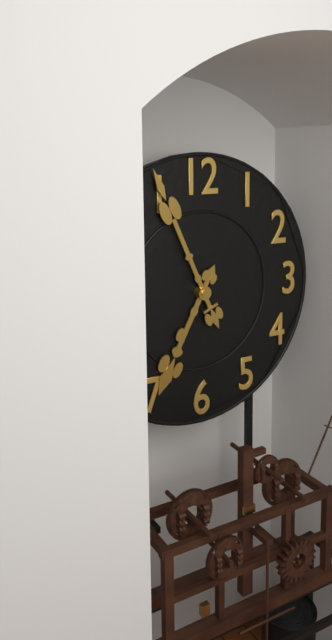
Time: h=6 m=56
